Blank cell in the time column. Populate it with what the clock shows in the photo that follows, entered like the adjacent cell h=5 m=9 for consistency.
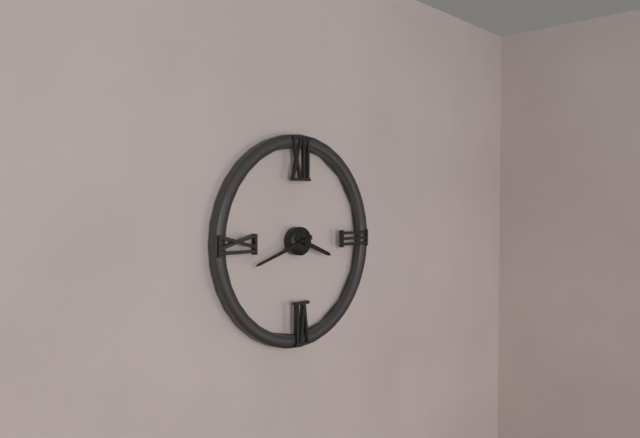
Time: h=3 m=42
